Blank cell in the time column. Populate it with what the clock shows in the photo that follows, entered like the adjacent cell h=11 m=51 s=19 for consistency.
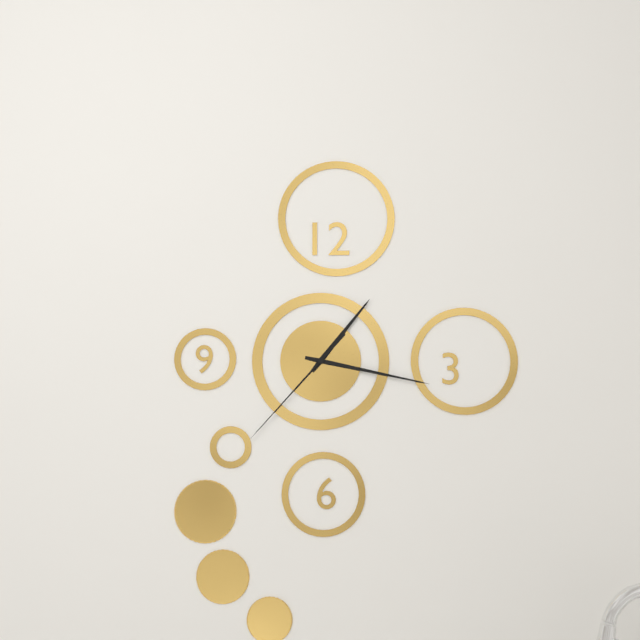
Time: h=1 m=17 s=37
